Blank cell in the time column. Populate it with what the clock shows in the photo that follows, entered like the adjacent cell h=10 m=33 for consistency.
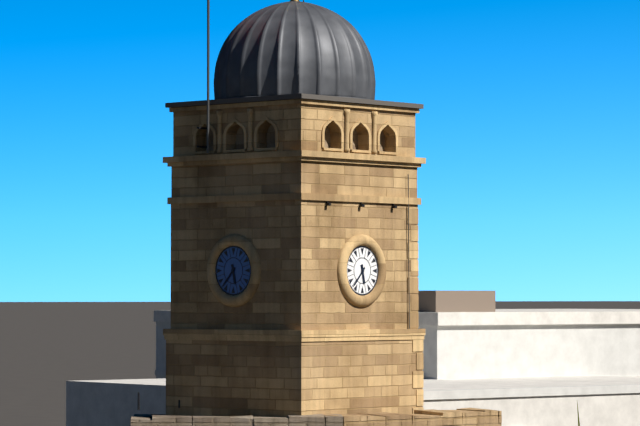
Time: h=5 m=37
